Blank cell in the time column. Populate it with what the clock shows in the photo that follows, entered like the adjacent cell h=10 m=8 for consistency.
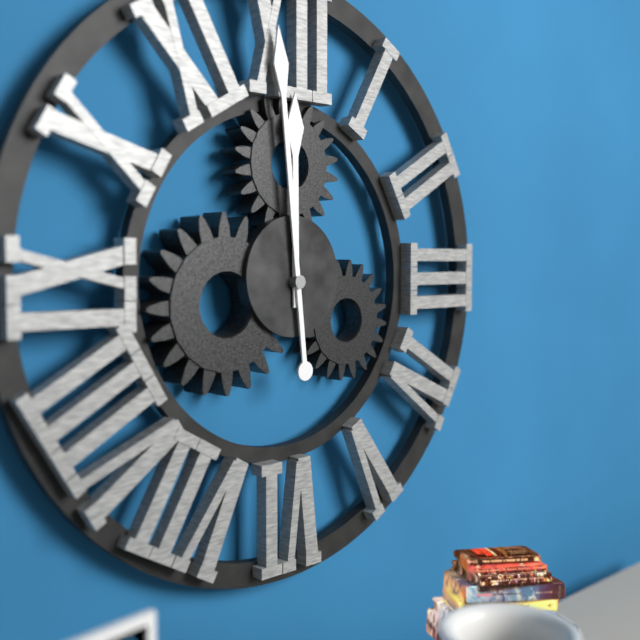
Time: h=11 m=59
